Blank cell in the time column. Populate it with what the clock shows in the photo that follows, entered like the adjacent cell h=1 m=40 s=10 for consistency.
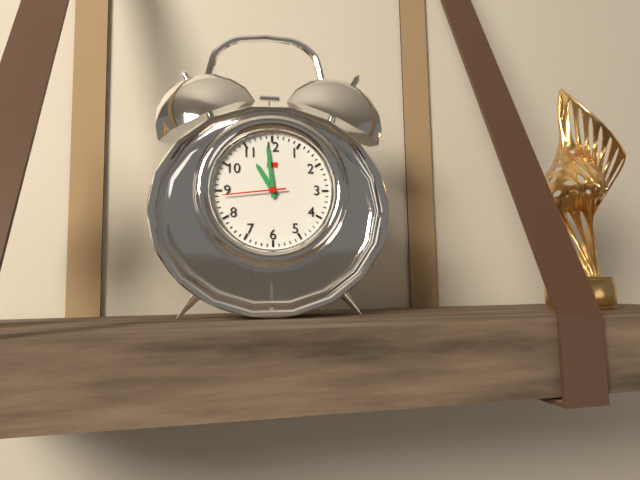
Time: h=10 m=59 s=44
